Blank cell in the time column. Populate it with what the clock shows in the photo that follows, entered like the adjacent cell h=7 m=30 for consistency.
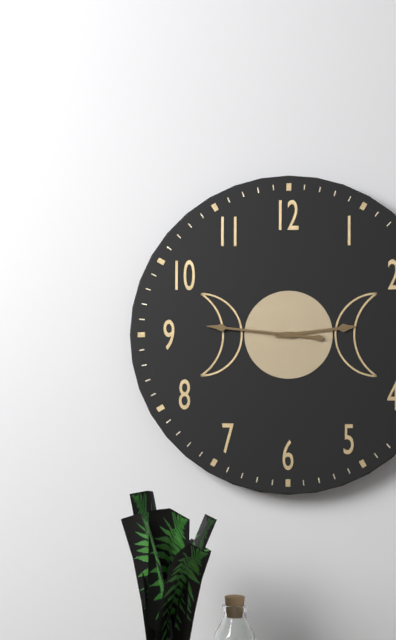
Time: h=2 m=46
